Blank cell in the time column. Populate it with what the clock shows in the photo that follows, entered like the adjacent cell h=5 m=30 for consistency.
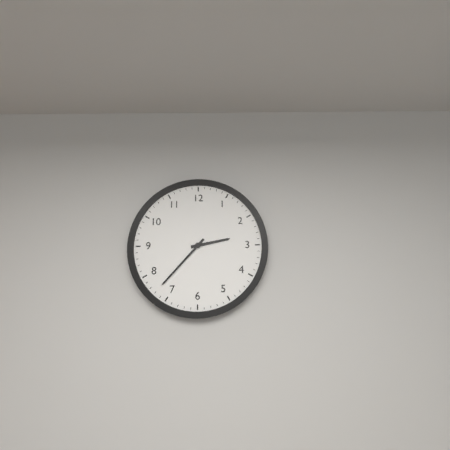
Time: h=2 m=37
